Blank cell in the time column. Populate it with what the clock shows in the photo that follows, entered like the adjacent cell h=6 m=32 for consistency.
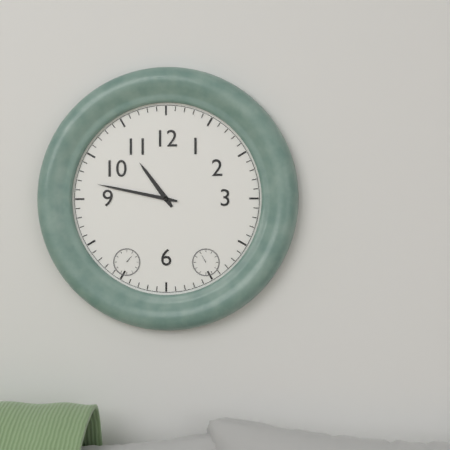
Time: h=10 m=47
